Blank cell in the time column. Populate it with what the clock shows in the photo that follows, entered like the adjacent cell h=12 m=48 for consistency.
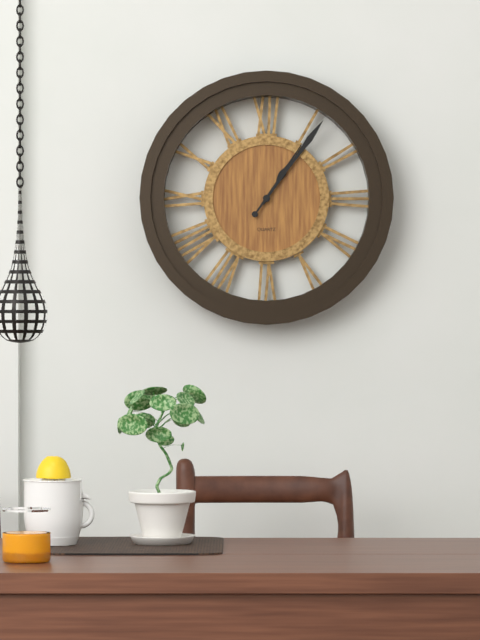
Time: h=1 m=6
